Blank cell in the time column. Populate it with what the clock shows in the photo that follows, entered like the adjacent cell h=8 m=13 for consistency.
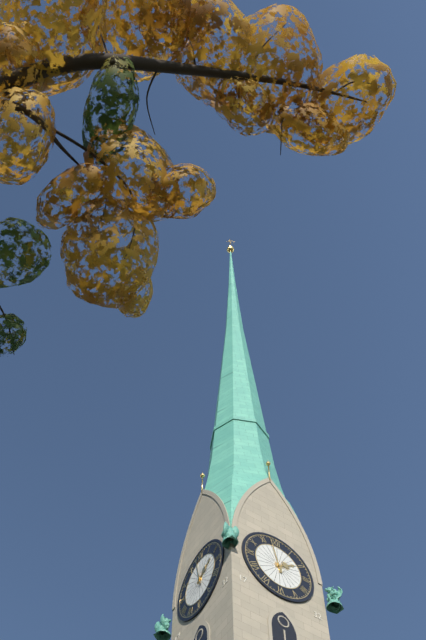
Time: h=1 m=58
